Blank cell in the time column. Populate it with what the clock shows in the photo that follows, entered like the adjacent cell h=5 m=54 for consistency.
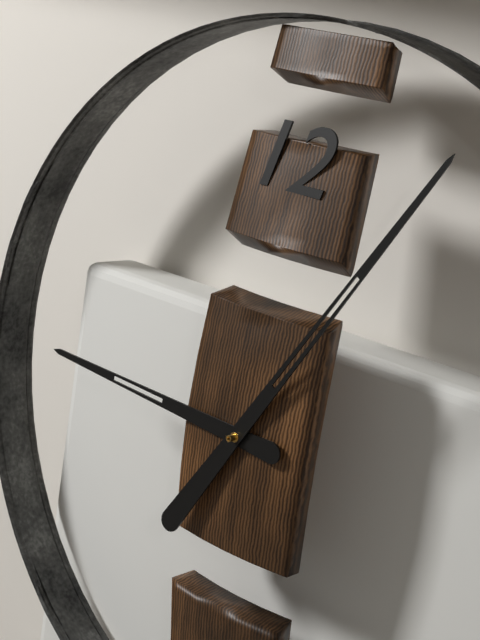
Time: h=9 m=5
